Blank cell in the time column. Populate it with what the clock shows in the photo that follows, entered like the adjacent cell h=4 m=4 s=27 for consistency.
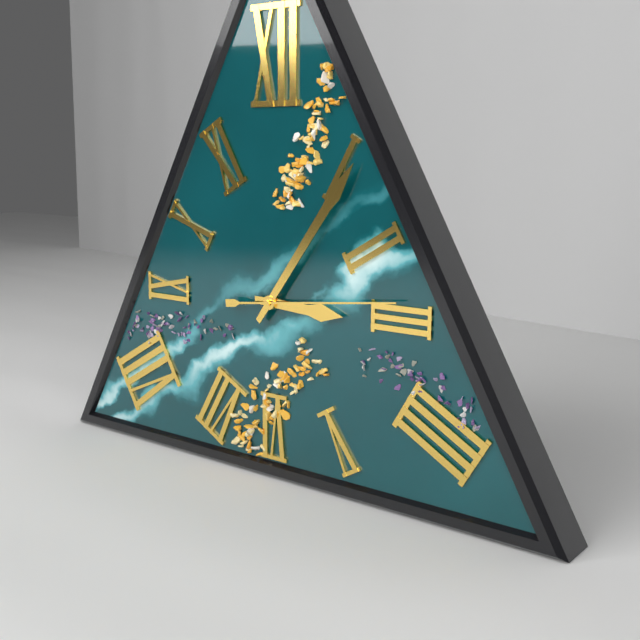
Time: h=3 m=6 s=14
